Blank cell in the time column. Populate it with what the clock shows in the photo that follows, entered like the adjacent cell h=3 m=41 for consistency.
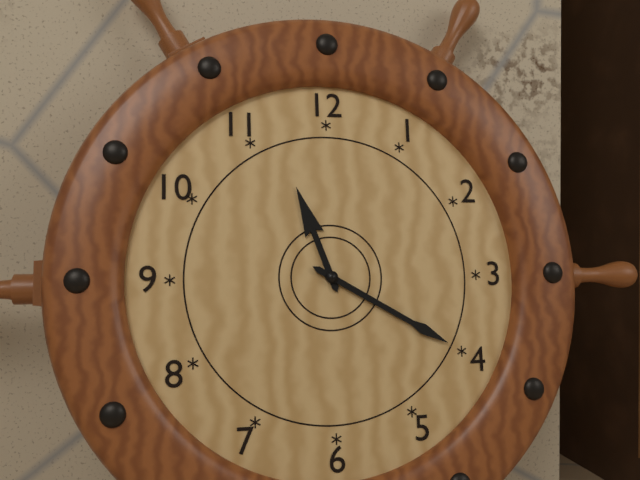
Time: h=11 m=20
